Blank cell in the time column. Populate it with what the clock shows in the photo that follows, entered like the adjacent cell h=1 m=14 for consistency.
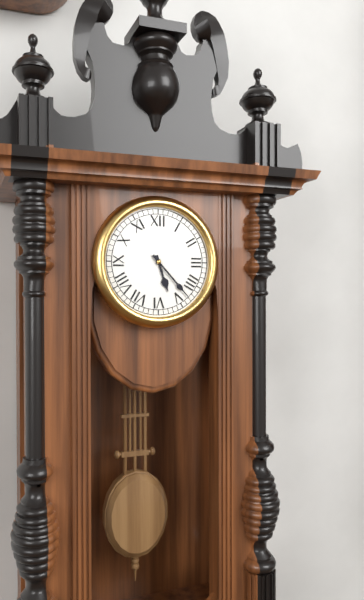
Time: h=5 m=23
